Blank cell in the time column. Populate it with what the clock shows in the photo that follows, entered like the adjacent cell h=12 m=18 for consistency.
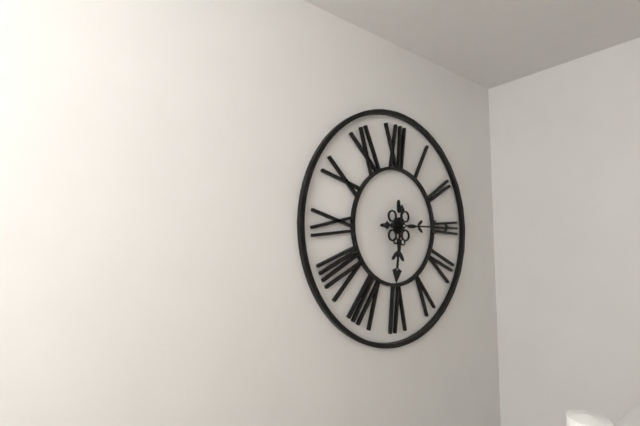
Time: h=6 m=15
